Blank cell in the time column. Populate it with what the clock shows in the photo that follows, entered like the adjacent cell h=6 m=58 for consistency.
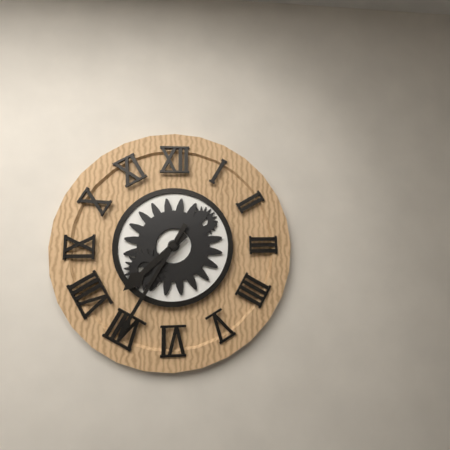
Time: h=7 m=35
